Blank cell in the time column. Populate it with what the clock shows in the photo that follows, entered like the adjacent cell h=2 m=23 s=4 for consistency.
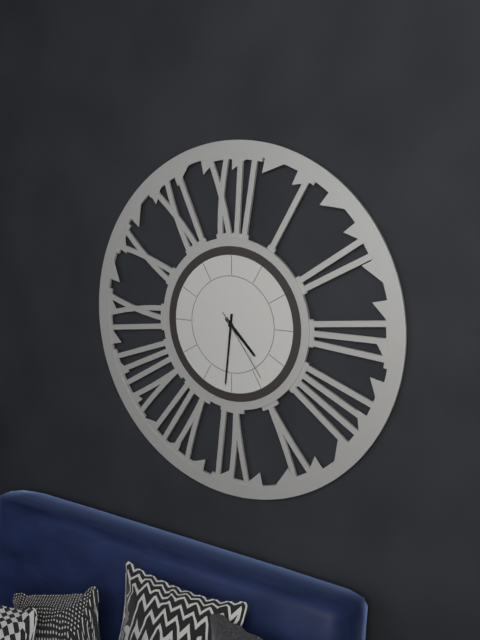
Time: h=4 m=31 s=24
